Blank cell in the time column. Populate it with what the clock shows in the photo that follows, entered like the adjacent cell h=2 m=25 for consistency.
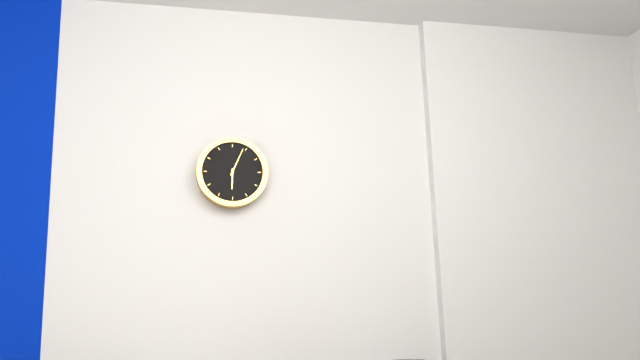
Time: h=6 m=4
